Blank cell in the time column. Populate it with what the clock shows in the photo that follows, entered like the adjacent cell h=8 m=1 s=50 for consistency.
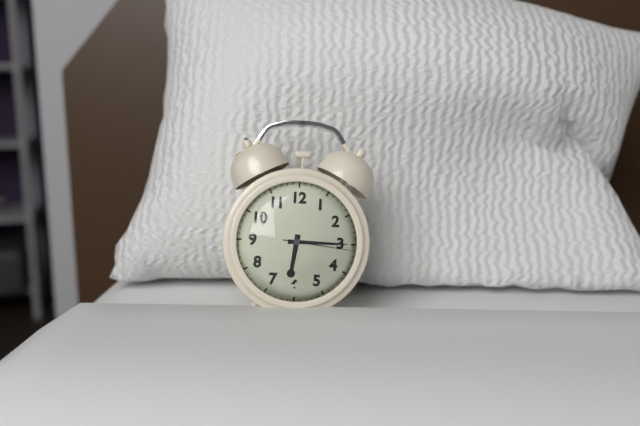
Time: h=6 m=15 s=16
